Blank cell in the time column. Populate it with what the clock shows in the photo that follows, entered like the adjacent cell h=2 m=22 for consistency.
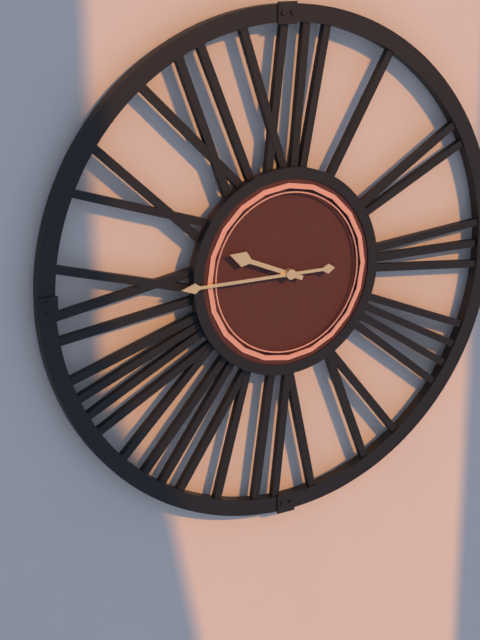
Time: h=9 m=45
